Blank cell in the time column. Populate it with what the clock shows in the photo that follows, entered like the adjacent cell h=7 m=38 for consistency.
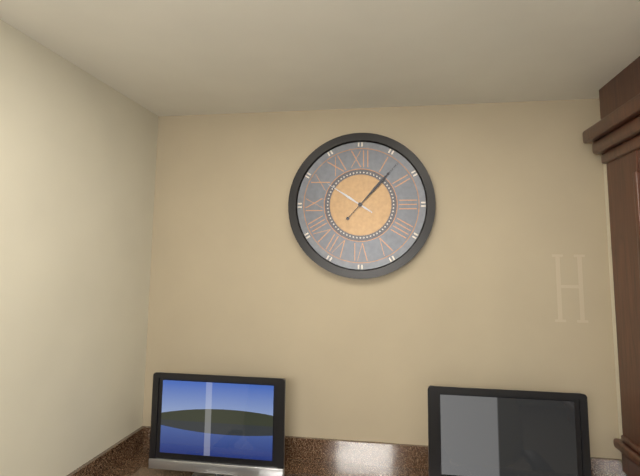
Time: h=10 m=7
